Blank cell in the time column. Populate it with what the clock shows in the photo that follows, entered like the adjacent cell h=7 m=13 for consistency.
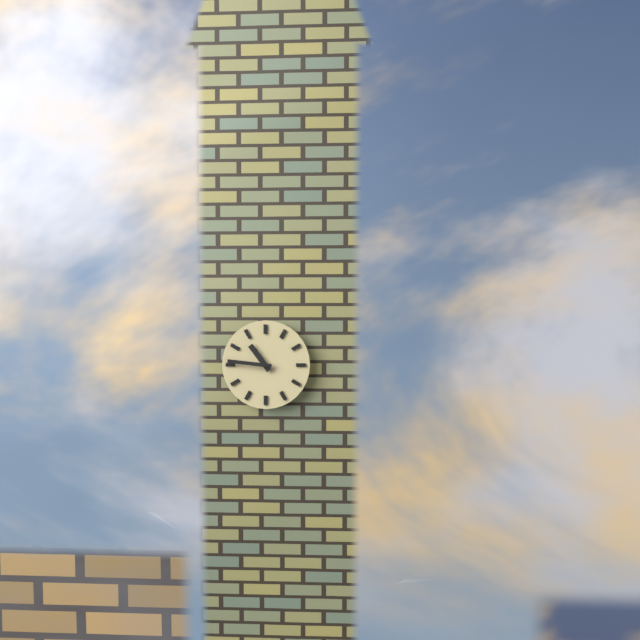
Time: h=10 m=46
